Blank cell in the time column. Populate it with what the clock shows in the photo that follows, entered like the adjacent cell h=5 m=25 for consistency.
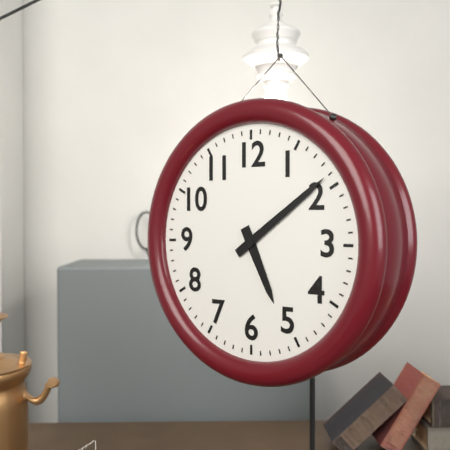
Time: h=5 m=9
